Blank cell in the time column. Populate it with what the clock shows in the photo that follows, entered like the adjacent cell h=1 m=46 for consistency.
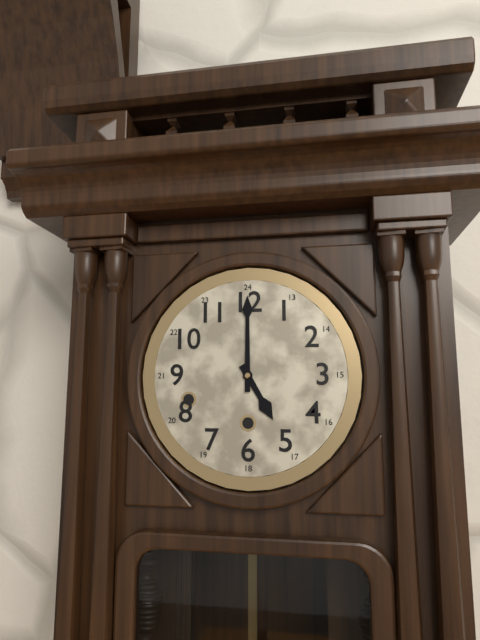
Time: h=5 m=0
